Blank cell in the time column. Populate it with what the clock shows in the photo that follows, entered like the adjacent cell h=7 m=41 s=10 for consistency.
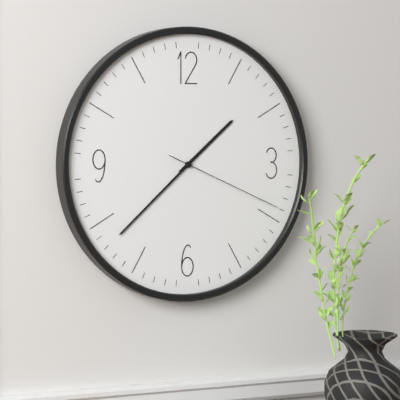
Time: h=1 m=38 s=19
